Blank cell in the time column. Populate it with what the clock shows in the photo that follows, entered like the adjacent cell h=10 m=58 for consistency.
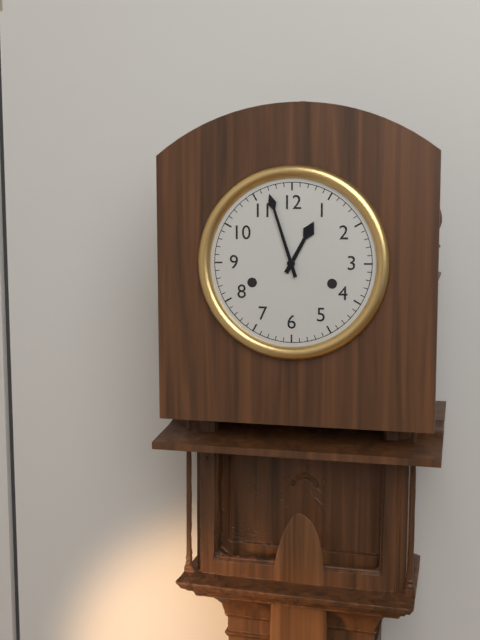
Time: h=12 m=57
